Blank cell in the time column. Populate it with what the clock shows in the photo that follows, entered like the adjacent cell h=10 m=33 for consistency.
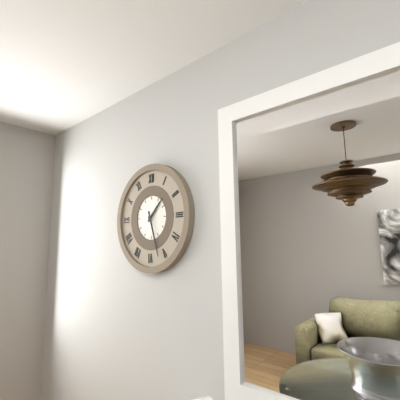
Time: h=1 m=27
